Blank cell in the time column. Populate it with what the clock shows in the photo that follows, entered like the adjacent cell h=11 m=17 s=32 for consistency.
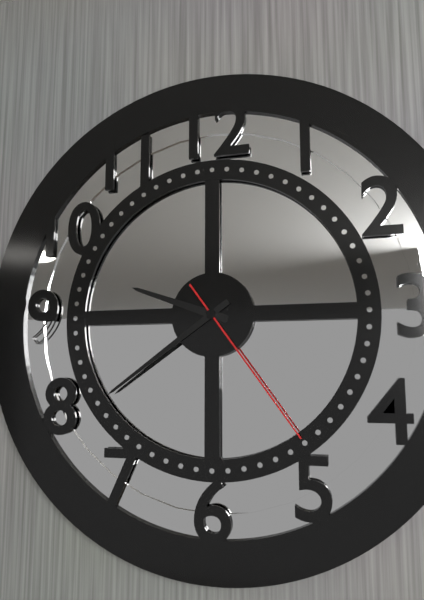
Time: h=9 m=39 s=24
